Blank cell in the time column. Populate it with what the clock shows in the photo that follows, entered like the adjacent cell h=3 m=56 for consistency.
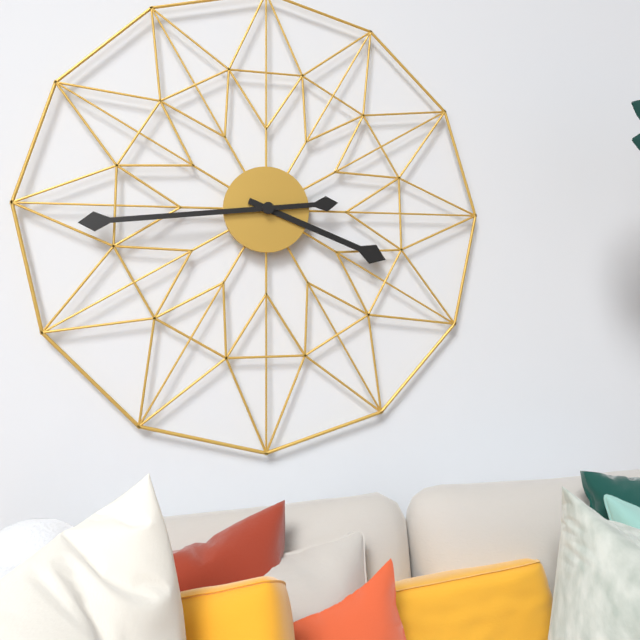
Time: h=3 m=44
